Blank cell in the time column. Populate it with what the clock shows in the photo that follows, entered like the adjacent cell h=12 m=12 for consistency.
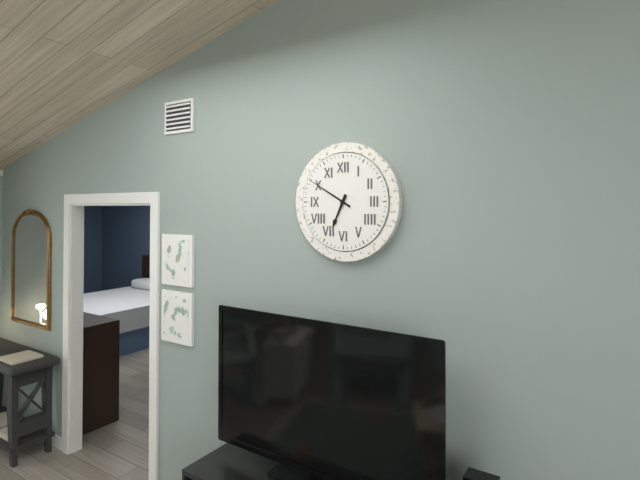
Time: h=6 m=50
